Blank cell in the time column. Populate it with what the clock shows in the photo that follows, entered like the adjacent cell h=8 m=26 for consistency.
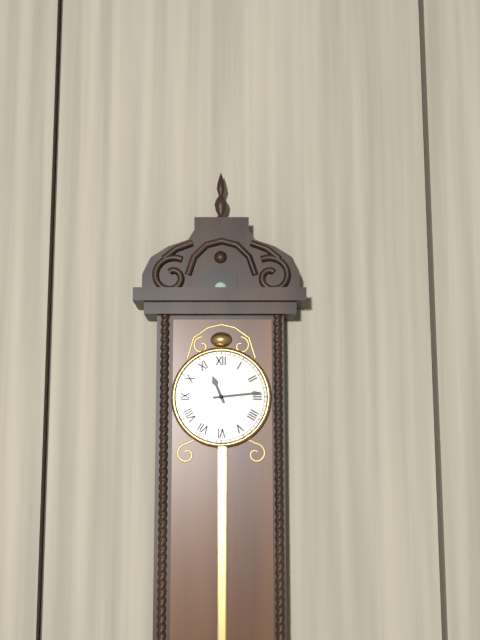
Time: h=11 m=14
